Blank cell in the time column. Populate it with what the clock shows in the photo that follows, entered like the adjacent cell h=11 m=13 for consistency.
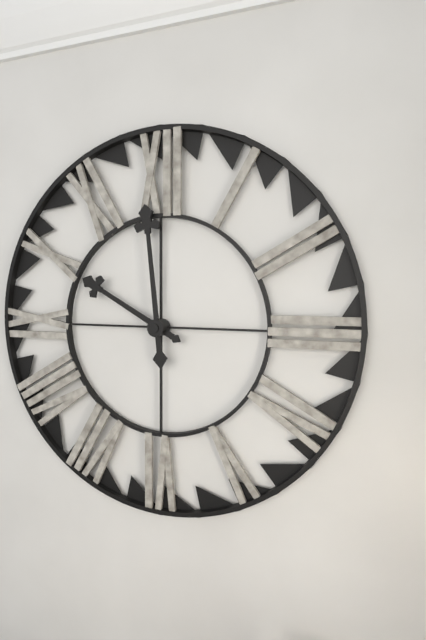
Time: h=9 m=59
